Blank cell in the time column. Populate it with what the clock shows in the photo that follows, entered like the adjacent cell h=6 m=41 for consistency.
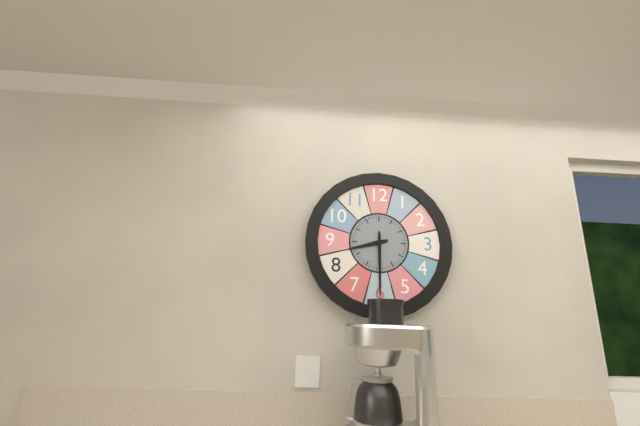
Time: h=8 m=30
